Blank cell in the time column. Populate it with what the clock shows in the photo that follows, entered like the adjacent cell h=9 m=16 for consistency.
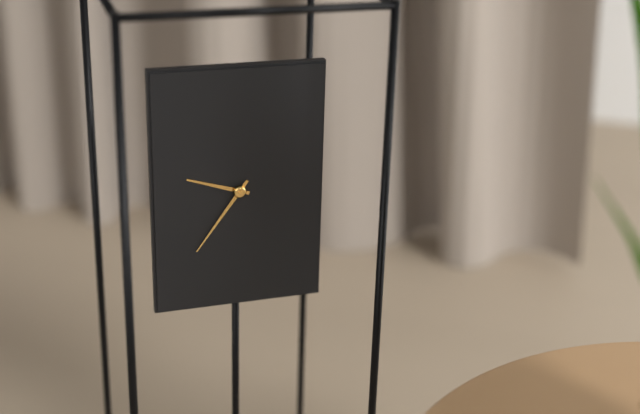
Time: h=9 m=36
